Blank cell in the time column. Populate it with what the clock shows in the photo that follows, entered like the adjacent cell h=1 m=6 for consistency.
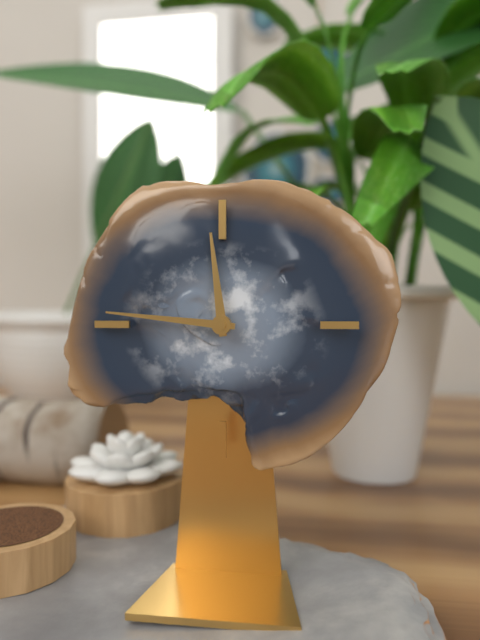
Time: h=11 m=46
